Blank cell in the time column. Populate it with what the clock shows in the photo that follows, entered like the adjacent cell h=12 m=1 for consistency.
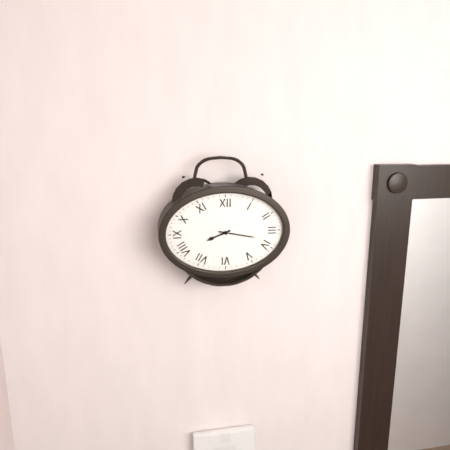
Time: h=8 m=17
